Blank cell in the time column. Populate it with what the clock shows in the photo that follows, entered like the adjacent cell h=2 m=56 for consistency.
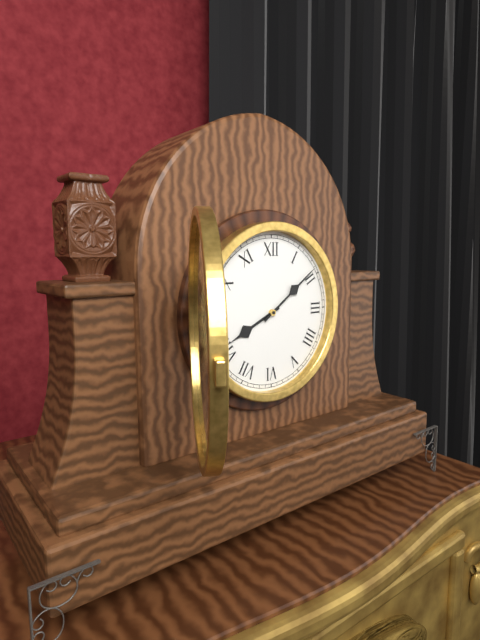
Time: h=8 m=9
